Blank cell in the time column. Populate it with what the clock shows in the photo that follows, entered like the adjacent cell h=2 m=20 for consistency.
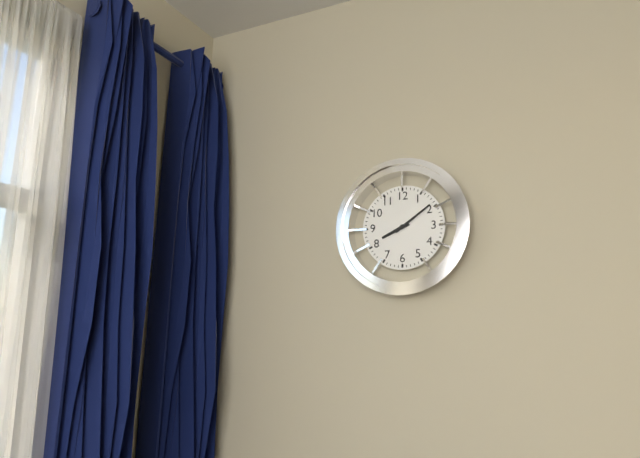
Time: h=8 m=9
